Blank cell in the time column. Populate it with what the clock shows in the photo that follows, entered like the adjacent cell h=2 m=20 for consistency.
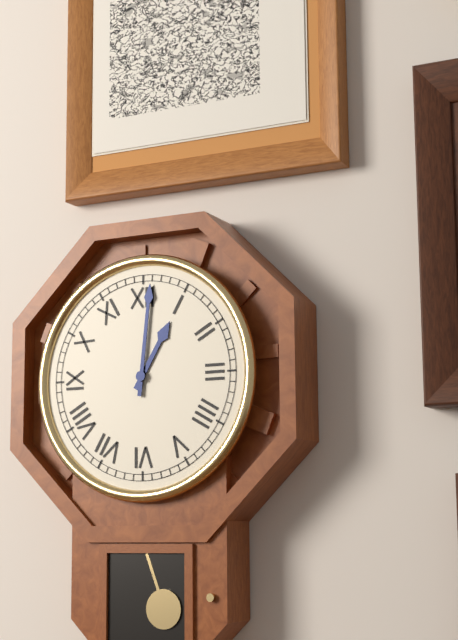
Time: h=1 m=1
